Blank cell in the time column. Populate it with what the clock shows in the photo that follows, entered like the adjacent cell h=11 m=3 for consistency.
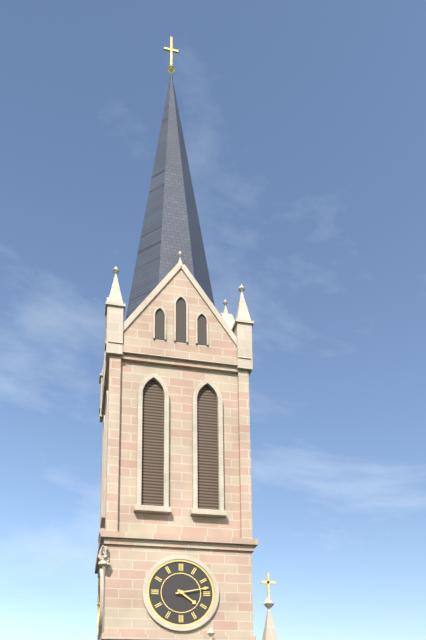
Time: h=4 m=13
